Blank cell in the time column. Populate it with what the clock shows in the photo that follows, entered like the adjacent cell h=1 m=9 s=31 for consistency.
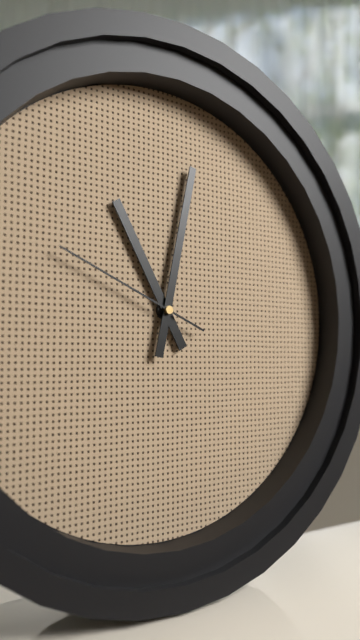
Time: h=11 m=2 s=49
